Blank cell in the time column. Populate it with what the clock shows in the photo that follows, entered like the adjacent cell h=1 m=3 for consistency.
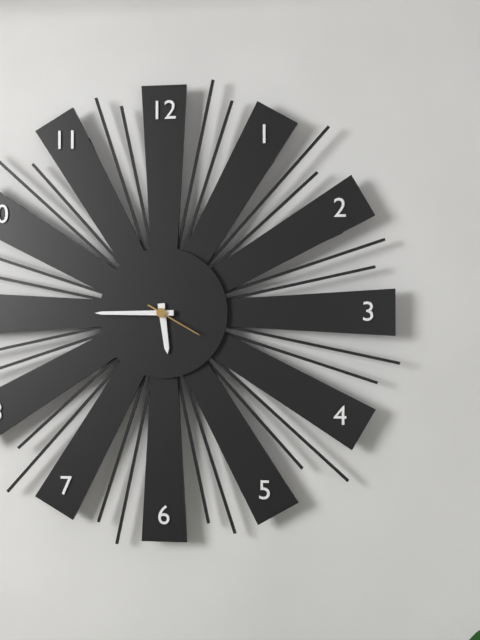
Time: h=5 m=45
